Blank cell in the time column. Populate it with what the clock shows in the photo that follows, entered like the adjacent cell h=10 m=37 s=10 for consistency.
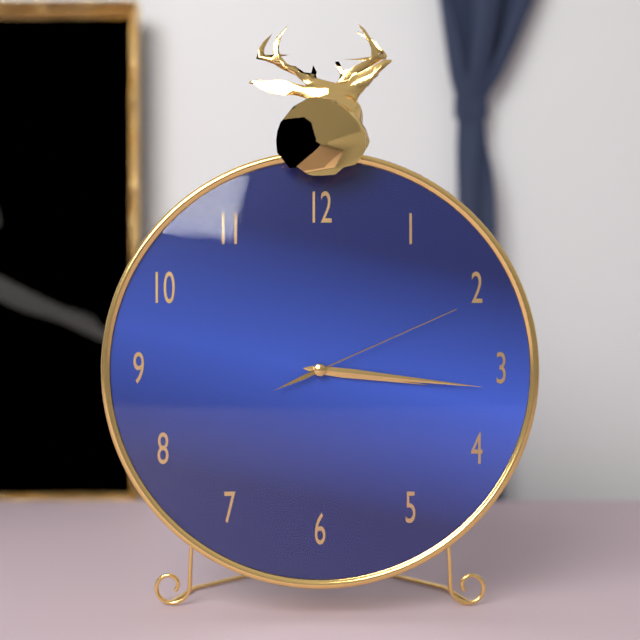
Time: h=3 m=16 s=11
